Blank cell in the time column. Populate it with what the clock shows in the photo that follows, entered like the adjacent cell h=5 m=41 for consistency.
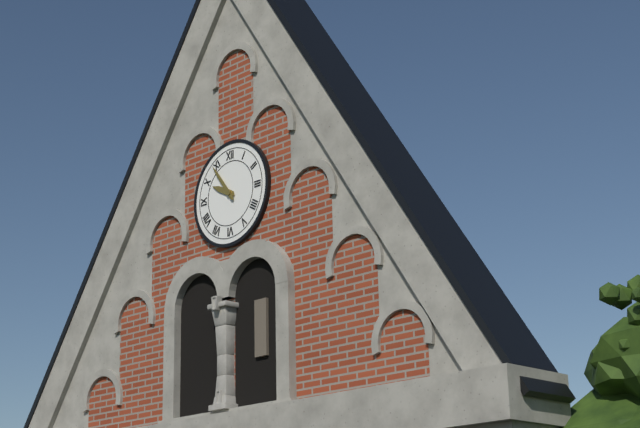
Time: h=9 m=54
